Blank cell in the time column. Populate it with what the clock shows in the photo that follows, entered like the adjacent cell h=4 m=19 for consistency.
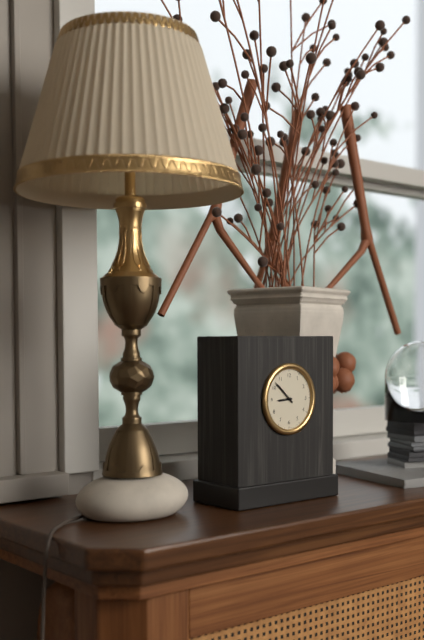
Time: h=8 m=52
